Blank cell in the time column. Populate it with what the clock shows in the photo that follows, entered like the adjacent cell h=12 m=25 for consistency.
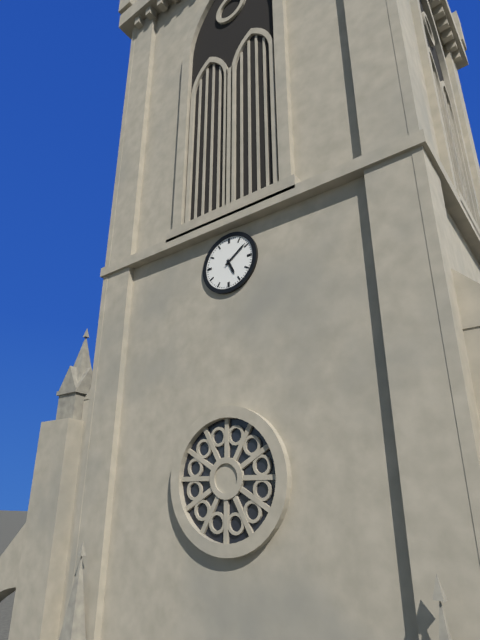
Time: h=5 m=9
